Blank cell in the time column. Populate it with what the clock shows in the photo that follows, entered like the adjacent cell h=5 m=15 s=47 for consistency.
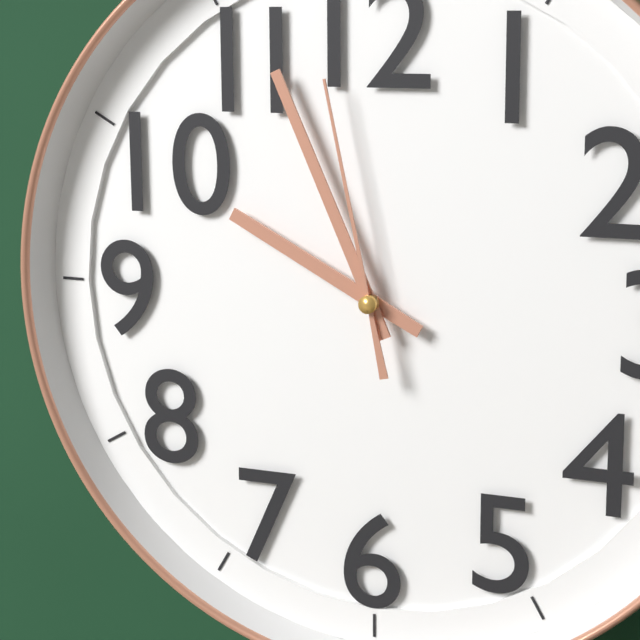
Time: h=9 m=56 s=58
